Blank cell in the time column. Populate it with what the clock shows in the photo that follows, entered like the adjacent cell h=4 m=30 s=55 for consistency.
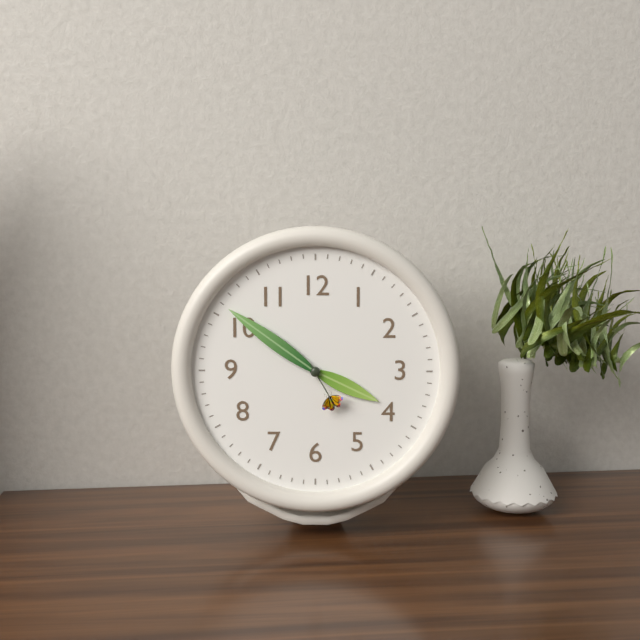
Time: h=3 m=51 s=25
